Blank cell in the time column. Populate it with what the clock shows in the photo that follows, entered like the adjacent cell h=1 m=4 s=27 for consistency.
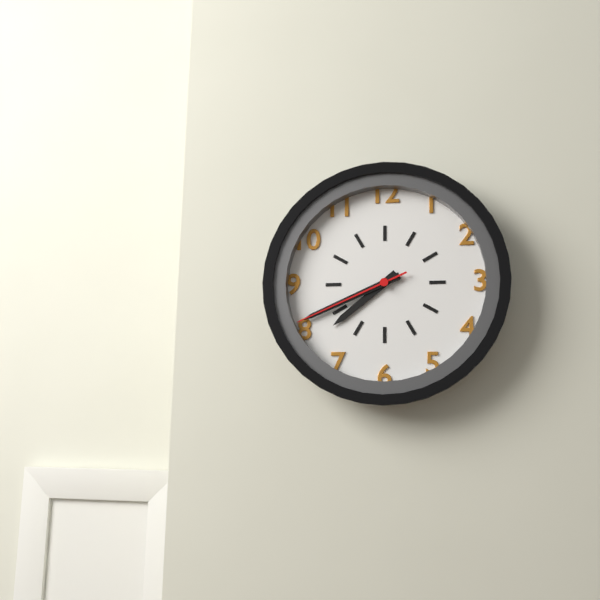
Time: h=7 m=41 s=41
